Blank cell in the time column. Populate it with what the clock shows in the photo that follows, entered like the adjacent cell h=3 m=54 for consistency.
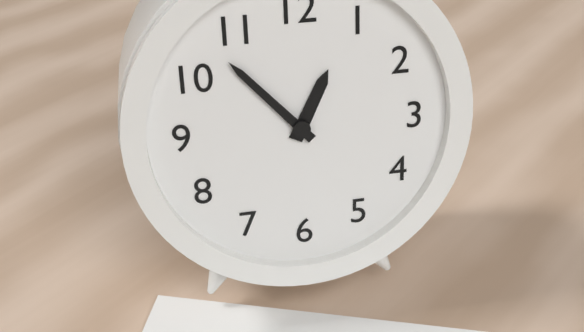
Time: h=12 m=53
